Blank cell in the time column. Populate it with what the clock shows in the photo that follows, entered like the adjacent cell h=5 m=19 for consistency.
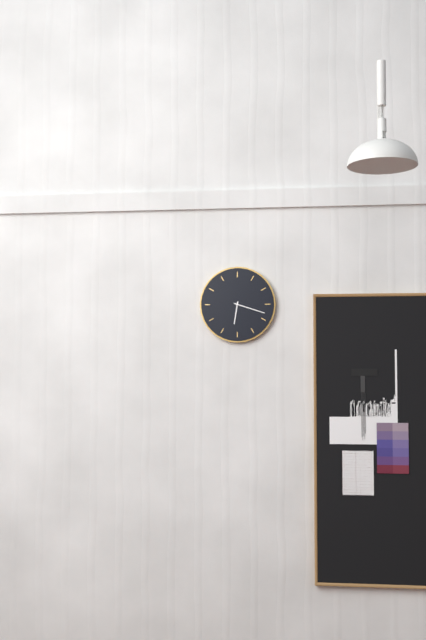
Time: h=6 m=18
